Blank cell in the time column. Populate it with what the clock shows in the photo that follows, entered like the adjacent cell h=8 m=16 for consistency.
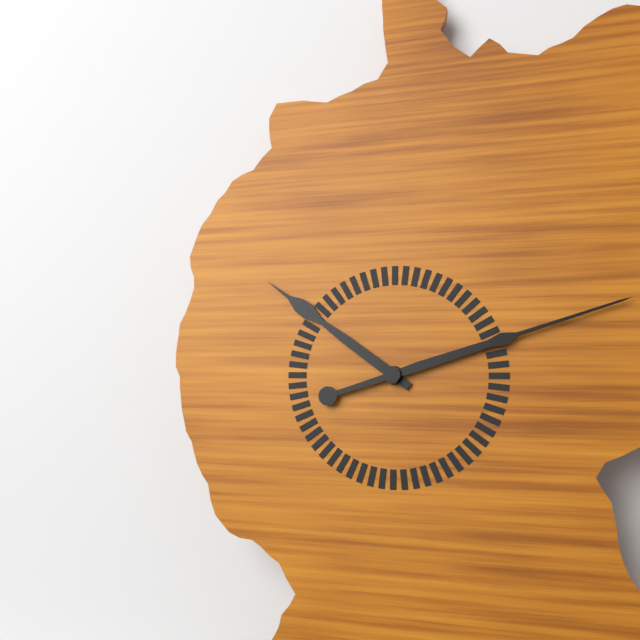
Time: h=10 m=12
